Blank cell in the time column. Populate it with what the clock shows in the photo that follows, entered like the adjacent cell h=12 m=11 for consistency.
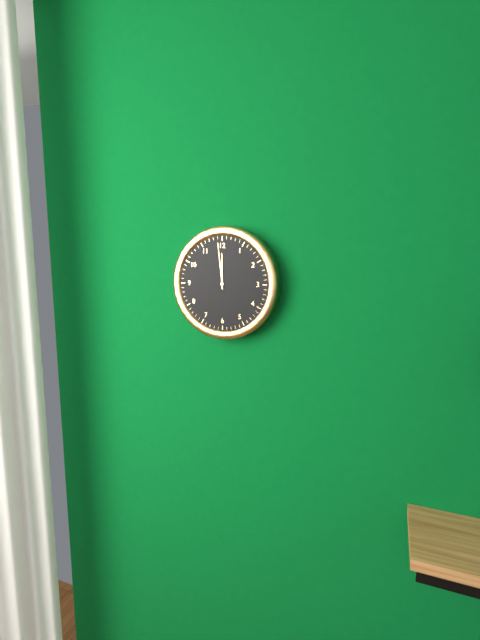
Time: h=11 m=59
